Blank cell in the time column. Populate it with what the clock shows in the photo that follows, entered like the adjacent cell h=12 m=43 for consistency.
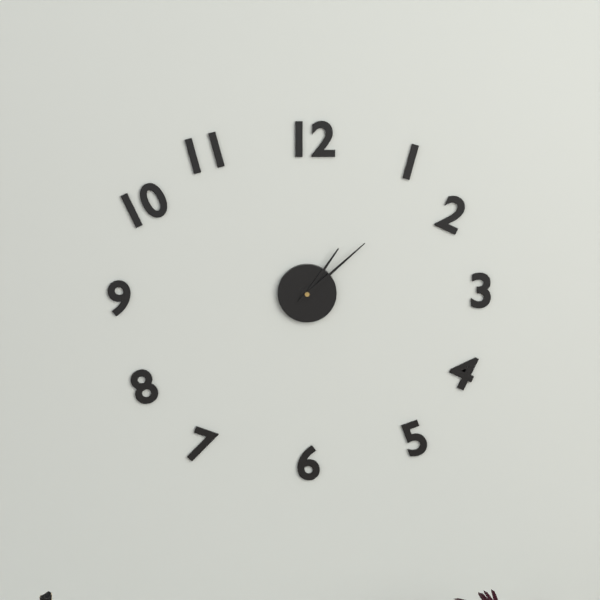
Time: h=1 m=8
